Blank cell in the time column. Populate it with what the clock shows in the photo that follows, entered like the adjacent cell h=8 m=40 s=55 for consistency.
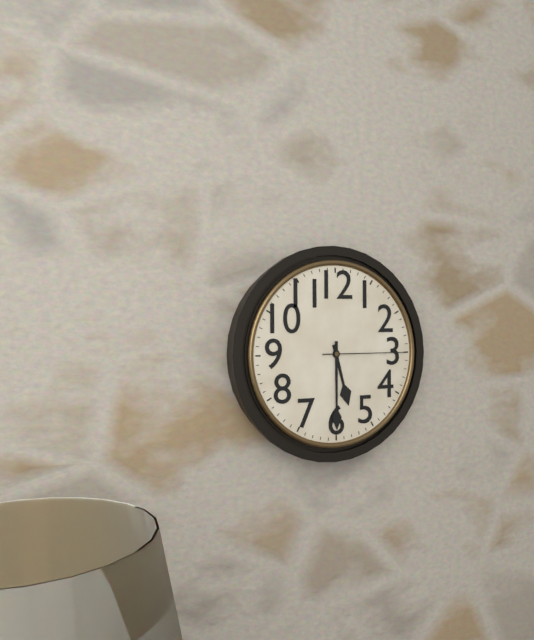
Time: h=5 m=30 s=15
